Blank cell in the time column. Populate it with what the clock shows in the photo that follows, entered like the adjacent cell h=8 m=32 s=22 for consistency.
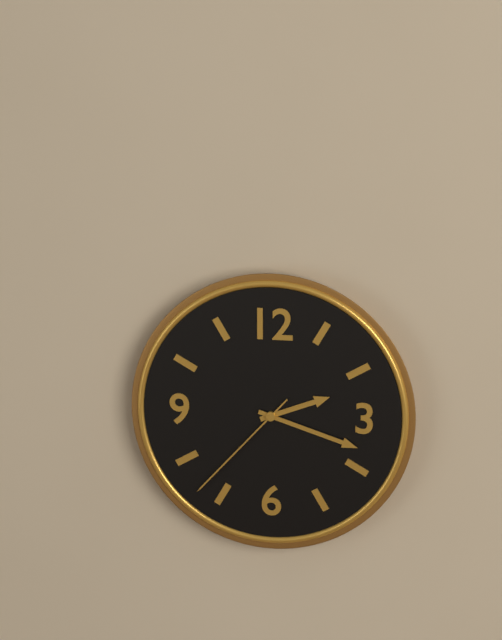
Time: h=2 m=18 s=37
